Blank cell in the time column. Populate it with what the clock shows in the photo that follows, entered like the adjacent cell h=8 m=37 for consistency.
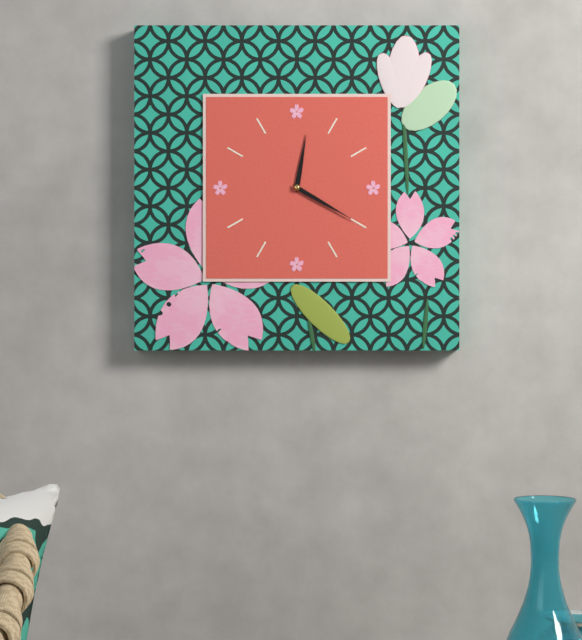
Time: h=12 m=20
